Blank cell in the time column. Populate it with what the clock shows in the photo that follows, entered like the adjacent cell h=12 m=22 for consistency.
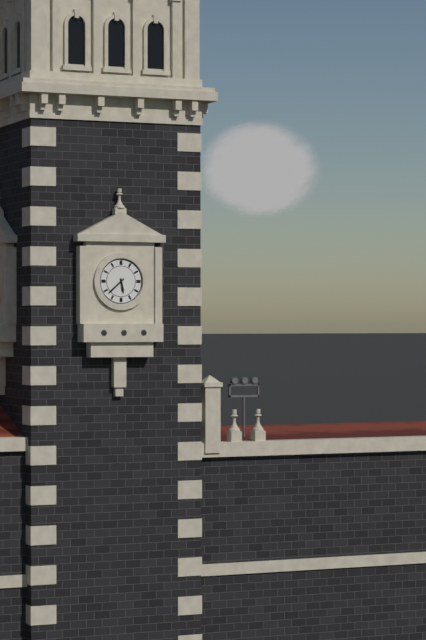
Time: h=5 m=38
